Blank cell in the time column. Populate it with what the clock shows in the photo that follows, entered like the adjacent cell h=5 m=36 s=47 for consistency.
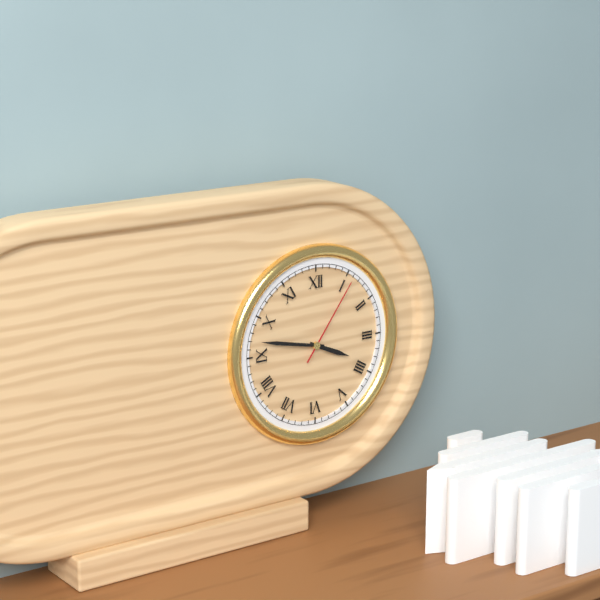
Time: h=3 m=47 s=6
